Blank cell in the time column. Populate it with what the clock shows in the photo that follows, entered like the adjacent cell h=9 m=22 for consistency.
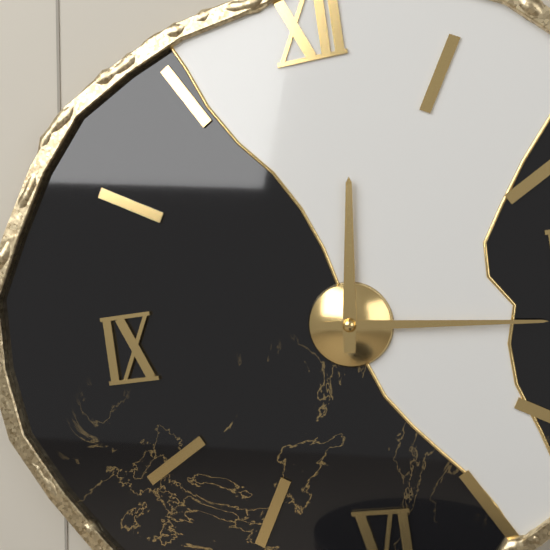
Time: h=12 m=16
